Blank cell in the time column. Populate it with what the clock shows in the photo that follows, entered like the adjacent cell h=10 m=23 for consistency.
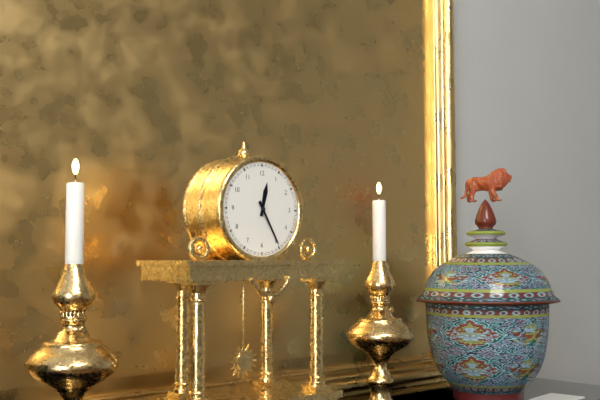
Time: h=12 m=25
